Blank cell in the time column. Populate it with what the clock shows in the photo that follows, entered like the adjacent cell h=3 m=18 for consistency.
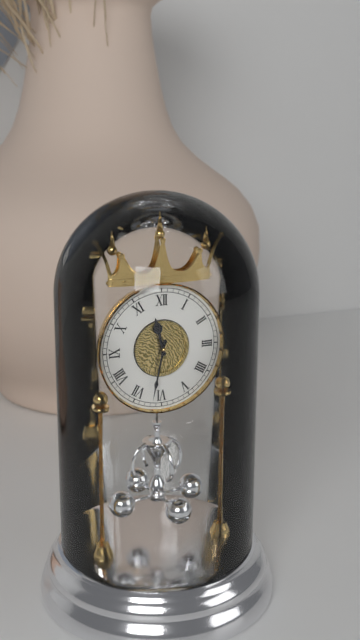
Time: h=11 m=32
